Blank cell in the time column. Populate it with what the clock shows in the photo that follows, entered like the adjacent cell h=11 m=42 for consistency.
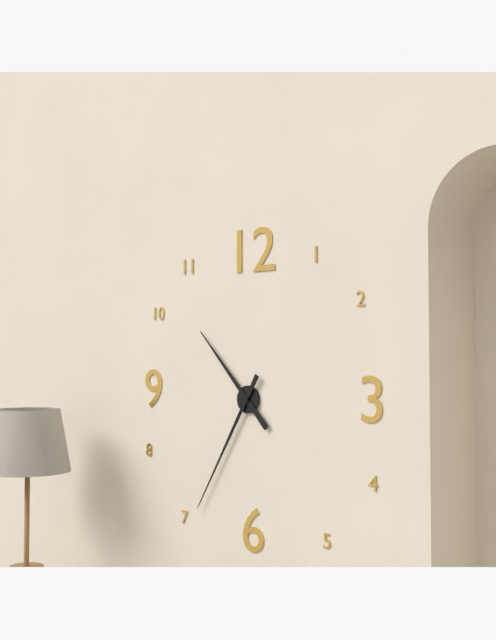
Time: h=10 m=35
